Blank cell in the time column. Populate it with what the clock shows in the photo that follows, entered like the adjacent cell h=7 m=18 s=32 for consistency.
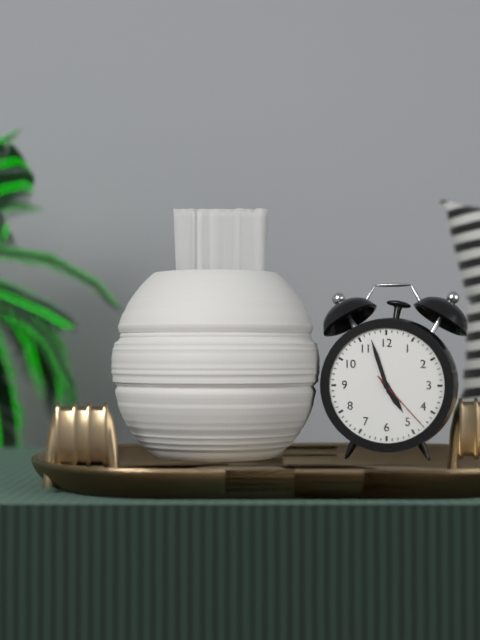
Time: h=4 m=57 s=23
